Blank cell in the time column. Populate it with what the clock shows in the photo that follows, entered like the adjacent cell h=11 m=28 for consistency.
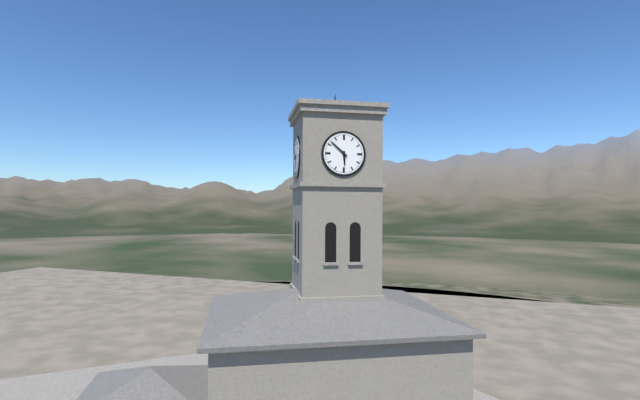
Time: h=5 m=52
